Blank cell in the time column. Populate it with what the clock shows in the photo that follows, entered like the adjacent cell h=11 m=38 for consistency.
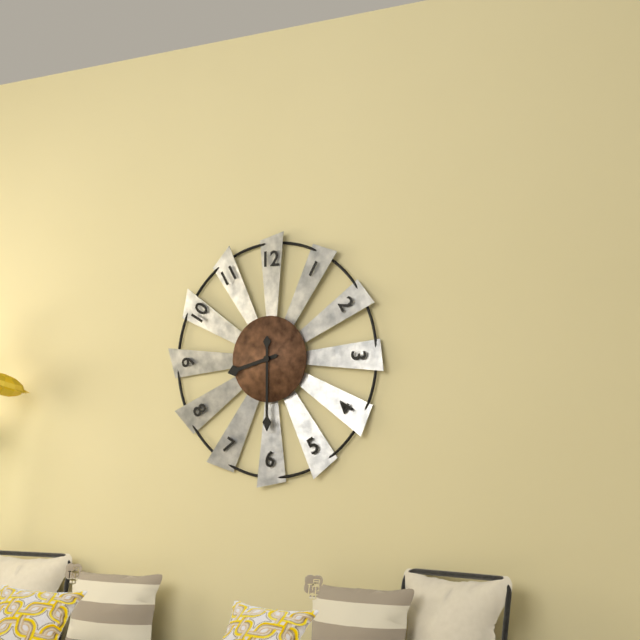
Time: h=8 m=30
